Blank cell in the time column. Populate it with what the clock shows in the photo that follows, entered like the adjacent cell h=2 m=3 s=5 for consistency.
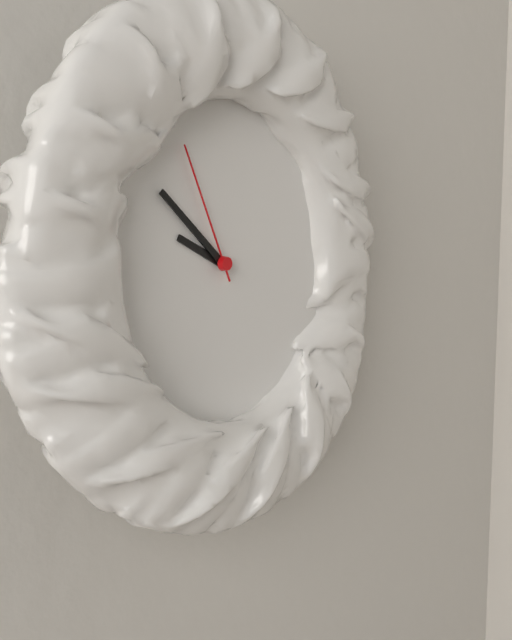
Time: h=9 m=52 s=56
